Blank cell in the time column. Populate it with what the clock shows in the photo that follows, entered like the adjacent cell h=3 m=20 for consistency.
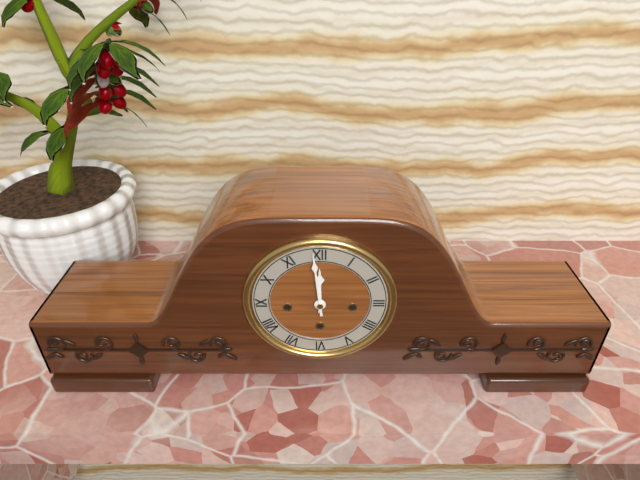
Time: h=11 m=59
